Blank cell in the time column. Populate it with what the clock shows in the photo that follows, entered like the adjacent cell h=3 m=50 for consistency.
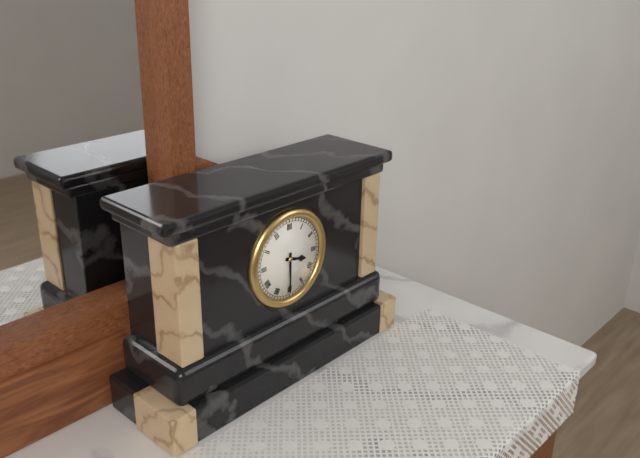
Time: h=3 m=30
